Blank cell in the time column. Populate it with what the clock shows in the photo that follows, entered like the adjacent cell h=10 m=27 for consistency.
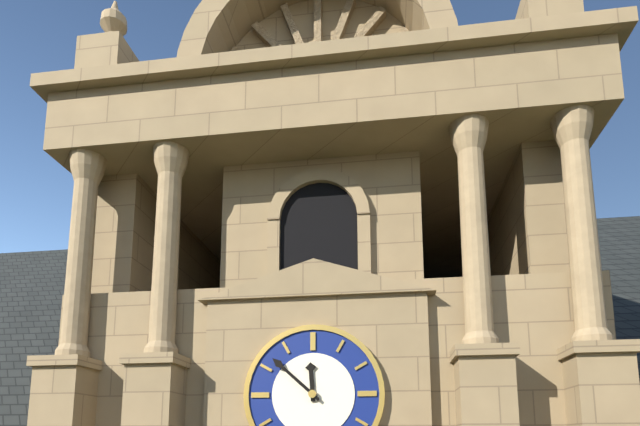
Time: h=11 m=52
